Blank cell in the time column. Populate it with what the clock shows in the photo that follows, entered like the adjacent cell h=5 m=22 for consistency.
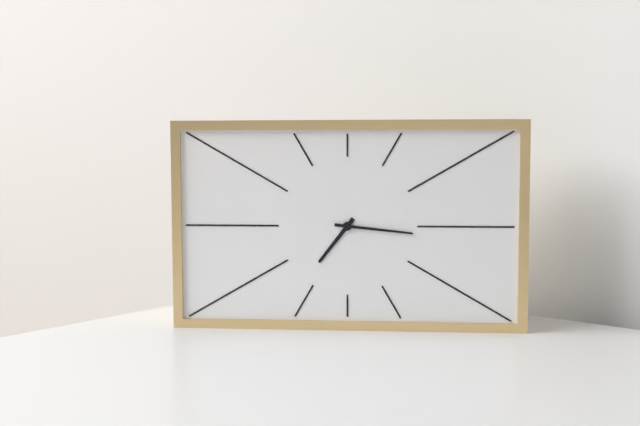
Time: h=7 m=16
